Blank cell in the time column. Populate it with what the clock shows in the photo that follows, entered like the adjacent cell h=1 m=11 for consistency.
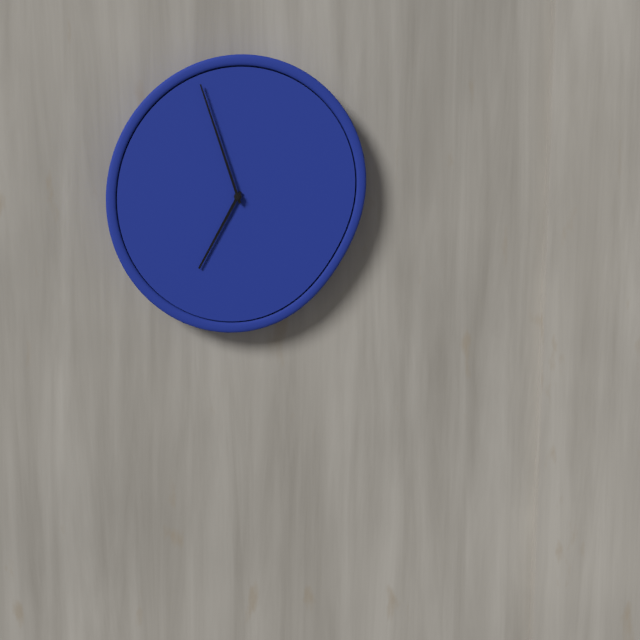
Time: h=6 m=57
